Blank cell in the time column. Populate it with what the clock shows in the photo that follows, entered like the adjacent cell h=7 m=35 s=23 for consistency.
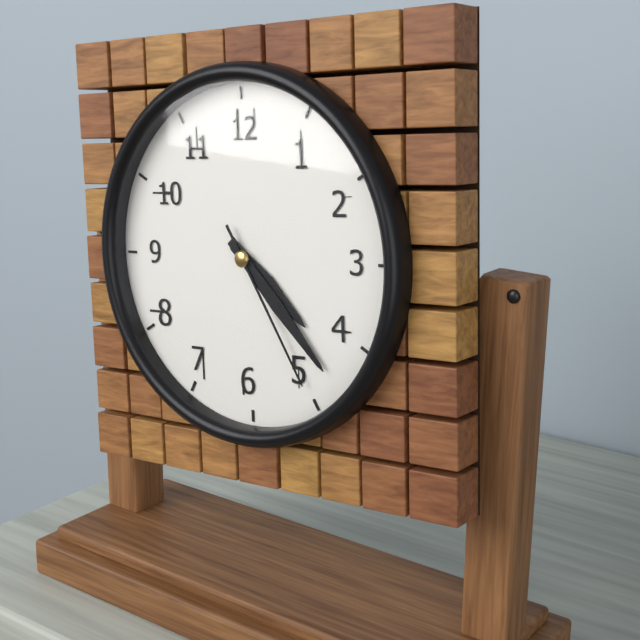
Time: h=4 m=23 s=25
